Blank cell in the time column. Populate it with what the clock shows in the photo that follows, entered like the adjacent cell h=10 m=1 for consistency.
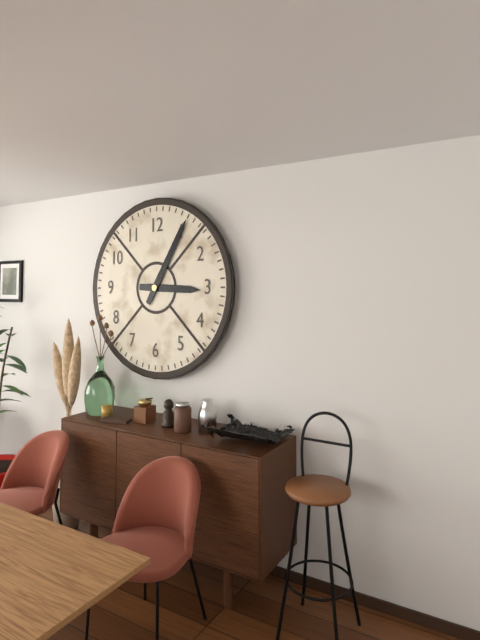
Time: h=3 m=5
